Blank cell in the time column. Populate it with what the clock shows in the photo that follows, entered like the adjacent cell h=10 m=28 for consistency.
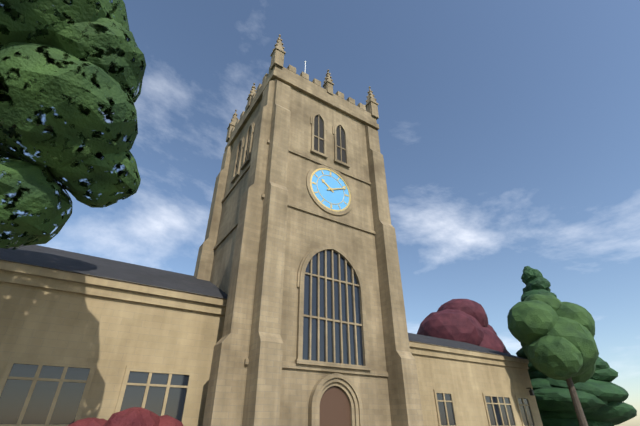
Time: h=10 m=11
